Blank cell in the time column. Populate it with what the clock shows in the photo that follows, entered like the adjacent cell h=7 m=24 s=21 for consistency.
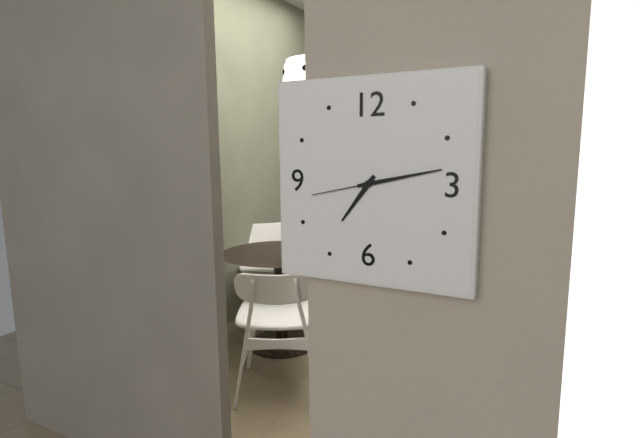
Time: h=7 m=13 s=43
